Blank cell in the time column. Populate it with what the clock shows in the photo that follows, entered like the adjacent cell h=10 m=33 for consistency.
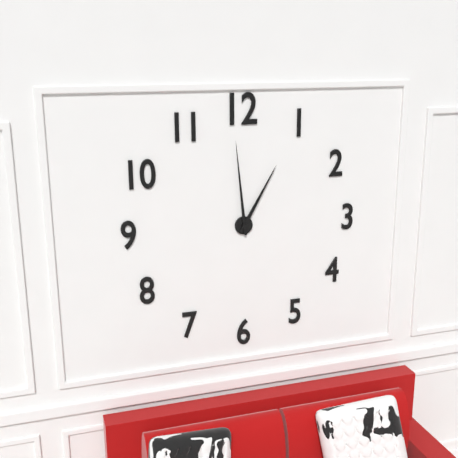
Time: h=12 m=59
